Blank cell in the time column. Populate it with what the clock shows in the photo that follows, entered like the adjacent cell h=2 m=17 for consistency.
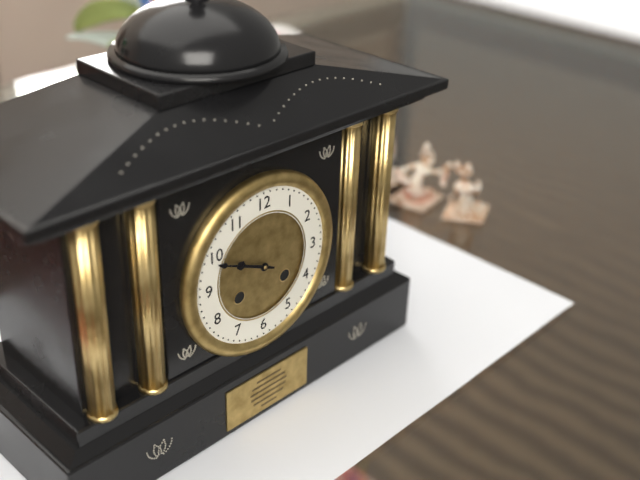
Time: h=9 m=49
